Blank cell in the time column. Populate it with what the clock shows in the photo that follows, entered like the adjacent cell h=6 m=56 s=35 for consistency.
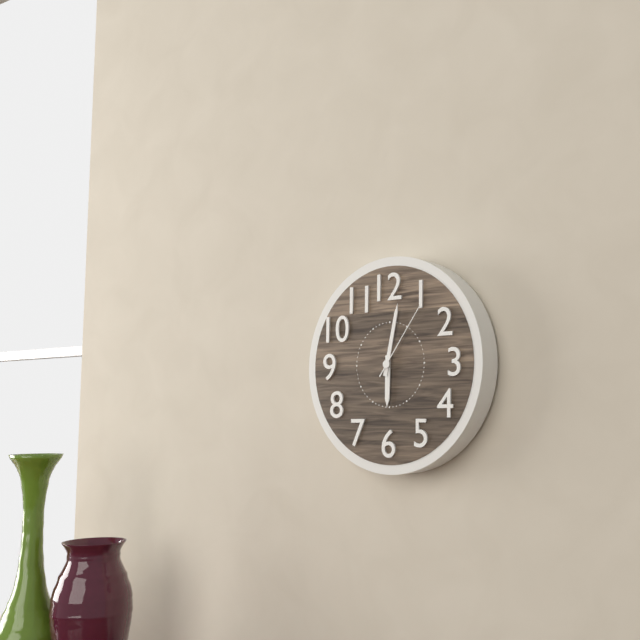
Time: h=6 m=2 s=6
